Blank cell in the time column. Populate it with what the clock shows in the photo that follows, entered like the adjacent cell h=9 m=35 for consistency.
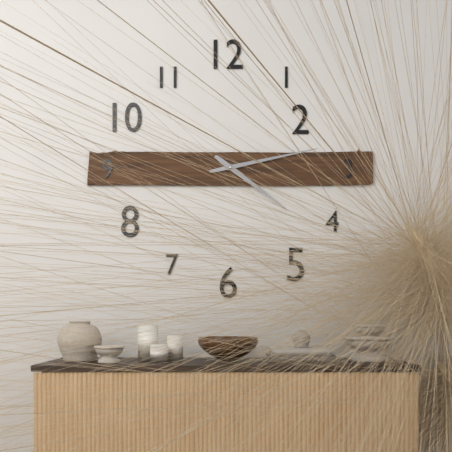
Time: h=4 m=13
